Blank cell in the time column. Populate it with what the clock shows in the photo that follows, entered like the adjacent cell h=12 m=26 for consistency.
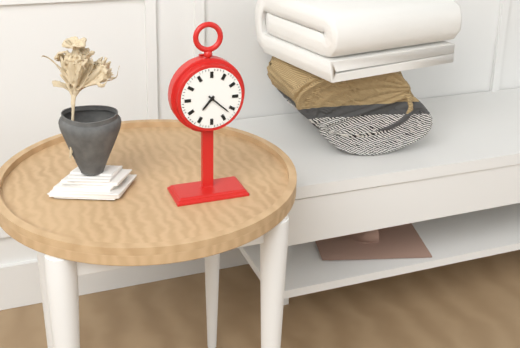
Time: h=7 m=22
